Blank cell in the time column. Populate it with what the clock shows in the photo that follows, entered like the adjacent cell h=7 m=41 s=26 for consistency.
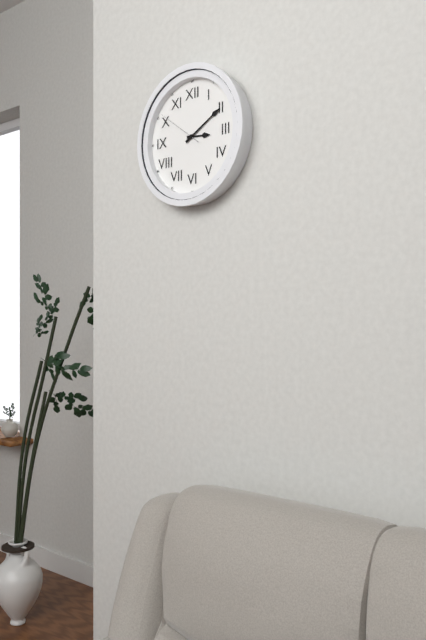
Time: h=3 m=10 s=51
